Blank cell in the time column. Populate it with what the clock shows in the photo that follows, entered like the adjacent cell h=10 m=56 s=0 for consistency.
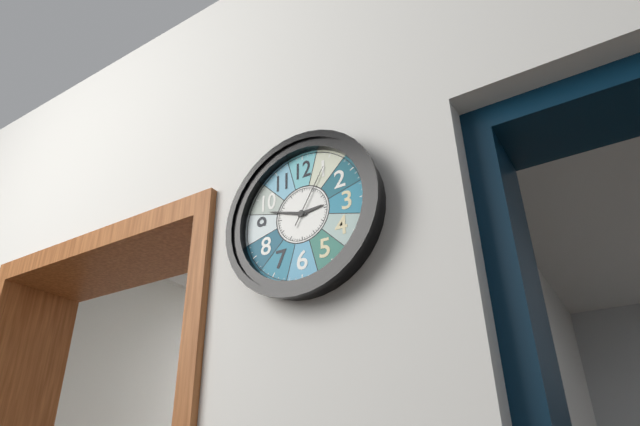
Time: h=2 m=48 s=5
